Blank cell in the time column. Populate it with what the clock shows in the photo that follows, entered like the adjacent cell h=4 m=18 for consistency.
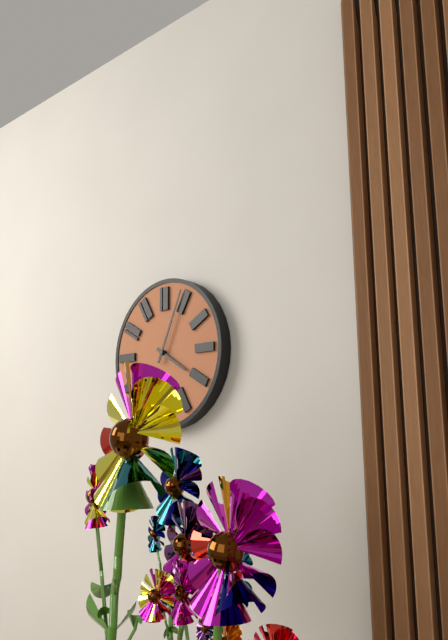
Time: h=4 m=4
